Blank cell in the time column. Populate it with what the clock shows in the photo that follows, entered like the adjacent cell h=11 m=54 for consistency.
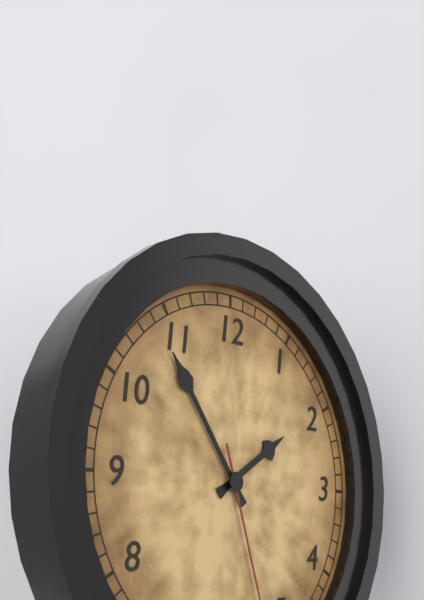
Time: h=1 m=54
